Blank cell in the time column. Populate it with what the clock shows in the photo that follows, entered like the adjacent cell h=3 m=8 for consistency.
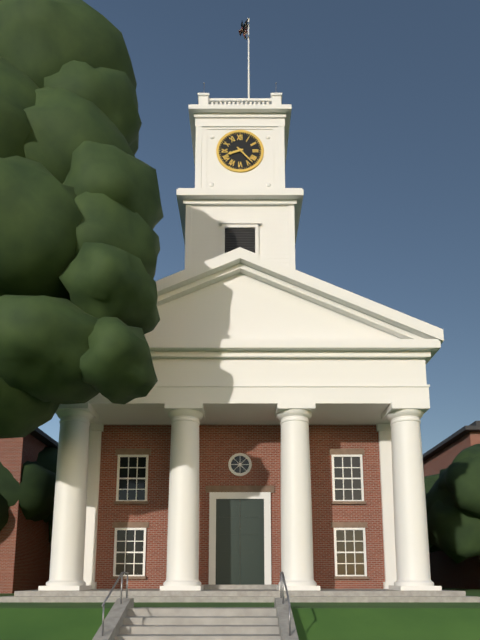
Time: h=8 m=23
